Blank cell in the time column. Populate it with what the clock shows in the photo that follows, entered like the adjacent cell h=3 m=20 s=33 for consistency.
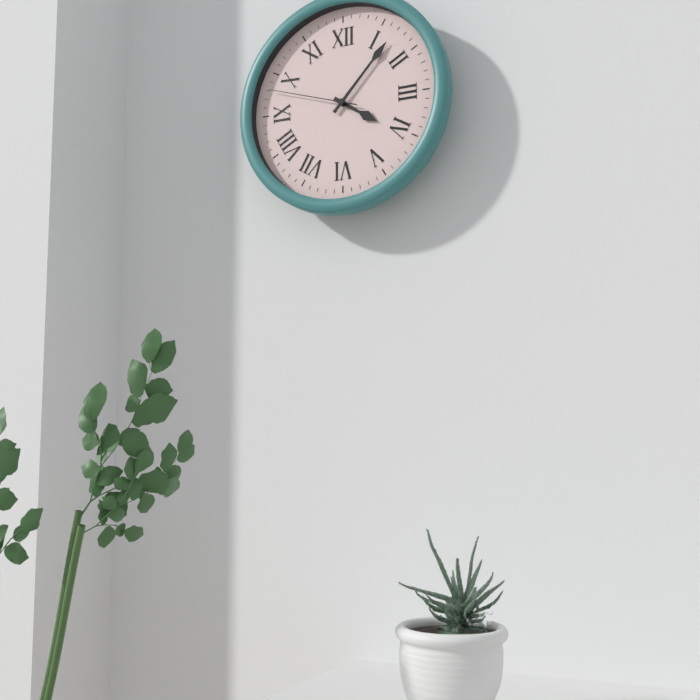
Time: h=4 m=7 s=48
